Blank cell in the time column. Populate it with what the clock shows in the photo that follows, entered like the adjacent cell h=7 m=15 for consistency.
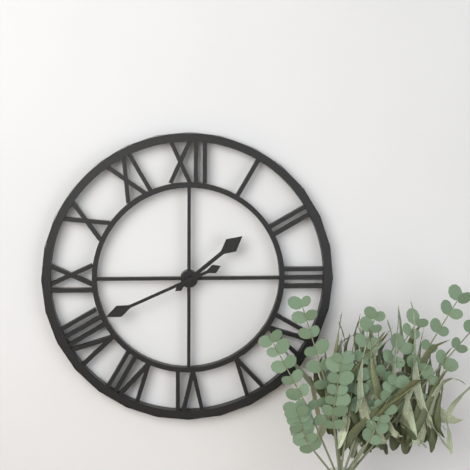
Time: h=1 m=41
